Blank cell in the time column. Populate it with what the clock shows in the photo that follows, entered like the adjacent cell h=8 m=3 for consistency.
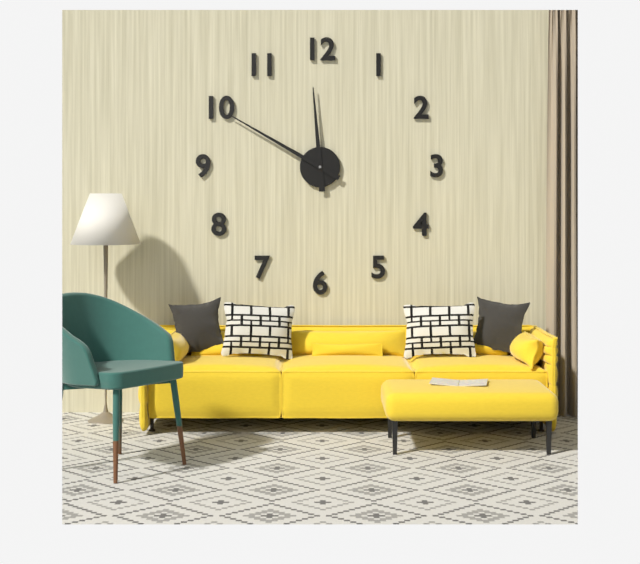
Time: h=11 m=50
